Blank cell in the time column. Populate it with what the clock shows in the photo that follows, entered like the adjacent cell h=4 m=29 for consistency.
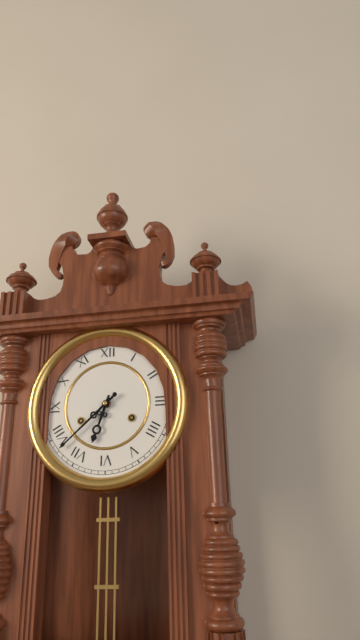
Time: h=6 m=38
